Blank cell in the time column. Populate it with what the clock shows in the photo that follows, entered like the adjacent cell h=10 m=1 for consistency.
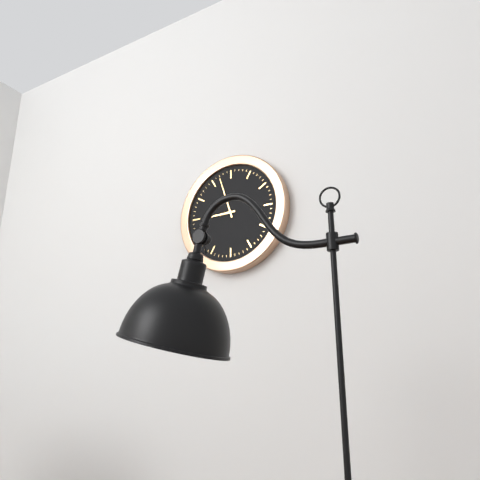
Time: h=8 m=57
